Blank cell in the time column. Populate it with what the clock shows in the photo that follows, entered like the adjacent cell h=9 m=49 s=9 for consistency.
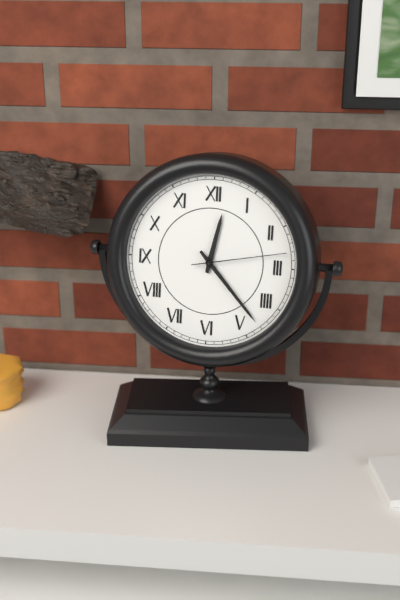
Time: h=12 m=23 s=13
